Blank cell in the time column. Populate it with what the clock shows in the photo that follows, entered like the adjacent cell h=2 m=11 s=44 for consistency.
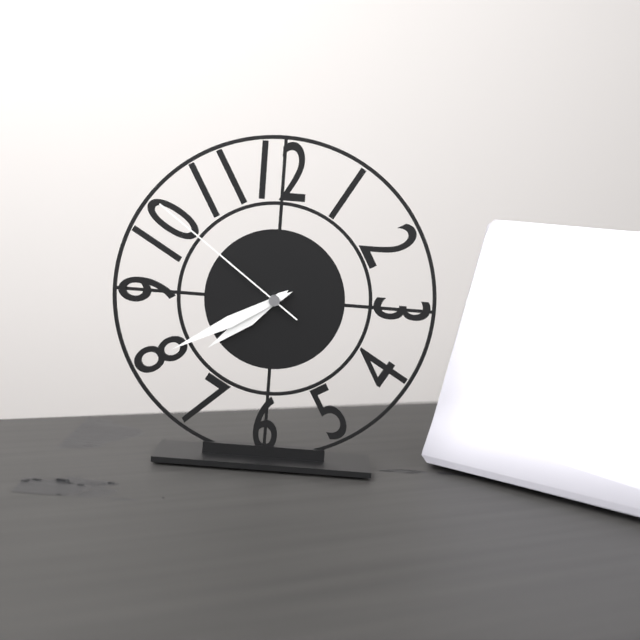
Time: h=7 m=40 s=51
